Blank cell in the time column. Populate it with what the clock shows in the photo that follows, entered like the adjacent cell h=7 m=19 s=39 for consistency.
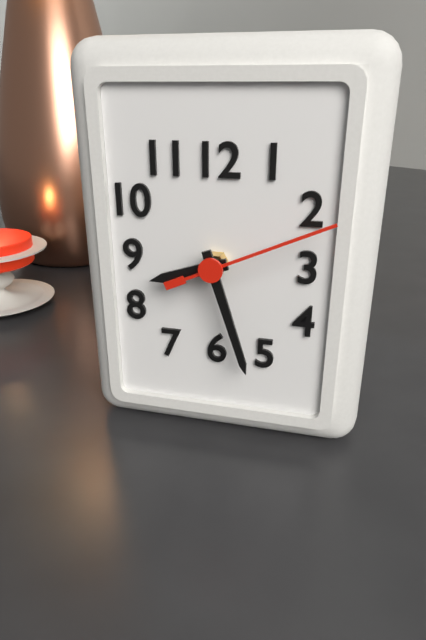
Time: h=8 m=27 s=11
